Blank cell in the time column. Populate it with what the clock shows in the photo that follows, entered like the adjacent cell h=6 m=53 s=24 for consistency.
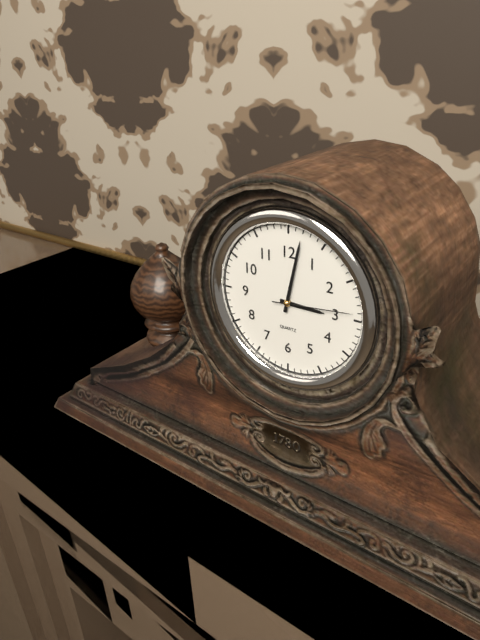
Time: h=3 m=2 s=14
